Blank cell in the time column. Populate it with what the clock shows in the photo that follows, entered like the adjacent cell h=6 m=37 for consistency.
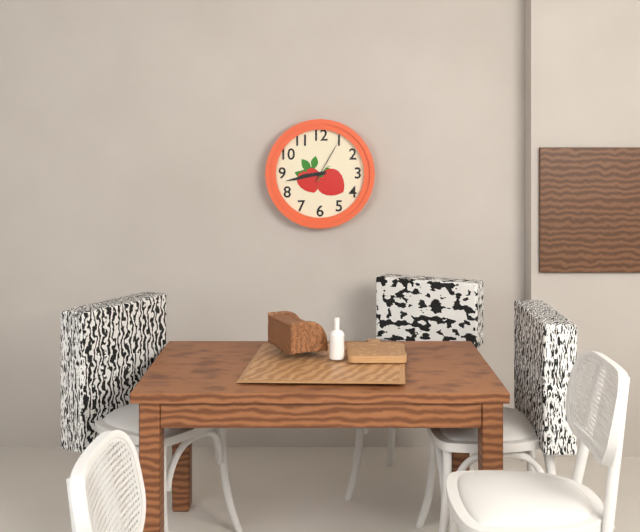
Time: h=8 m=43
